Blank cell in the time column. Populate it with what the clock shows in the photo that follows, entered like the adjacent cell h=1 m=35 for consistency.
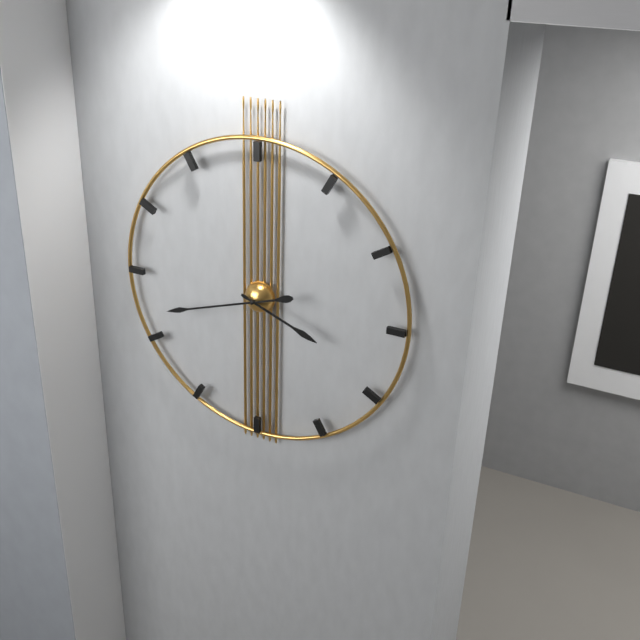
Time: h=3 m=42
